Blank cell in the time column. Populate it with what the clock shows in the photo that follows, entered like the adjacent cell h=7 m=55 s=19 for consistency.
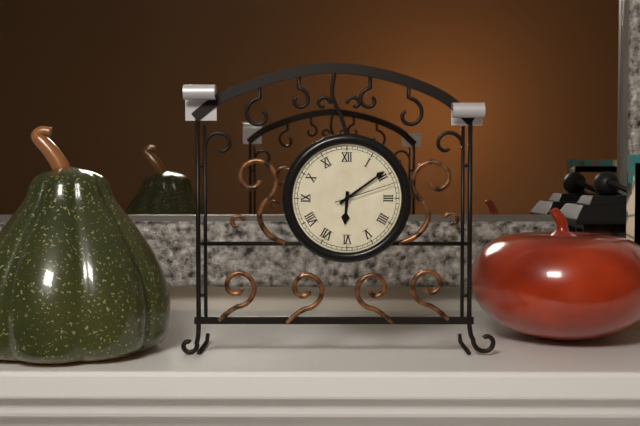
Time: h=6 m=9 s=12
